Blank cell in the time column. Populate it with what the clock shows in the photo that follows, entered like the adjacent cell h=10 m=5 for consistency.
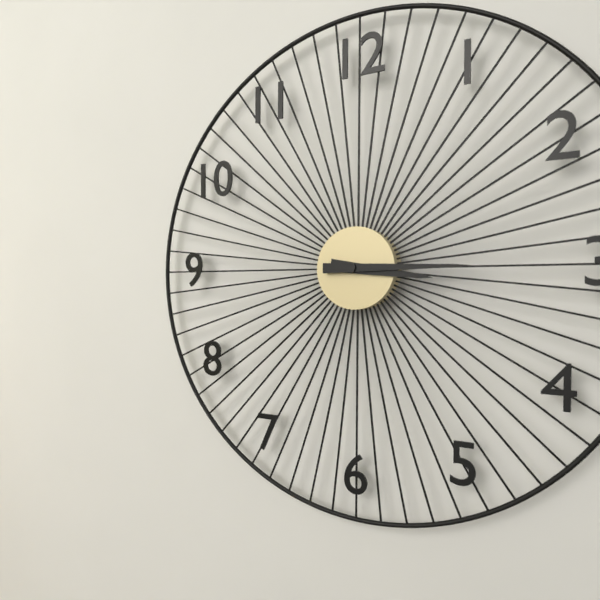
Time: h=3 m=15
